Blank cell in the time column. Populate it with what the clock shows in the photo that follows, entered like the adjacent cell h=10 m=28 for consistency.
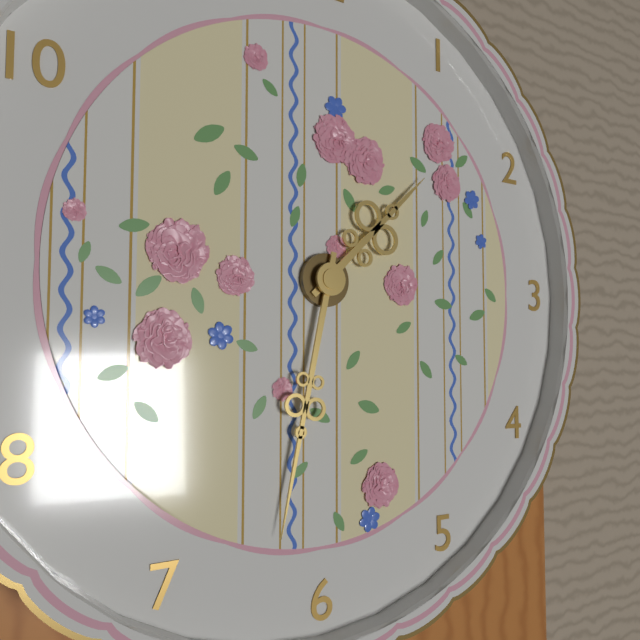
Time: h=1 m=32
